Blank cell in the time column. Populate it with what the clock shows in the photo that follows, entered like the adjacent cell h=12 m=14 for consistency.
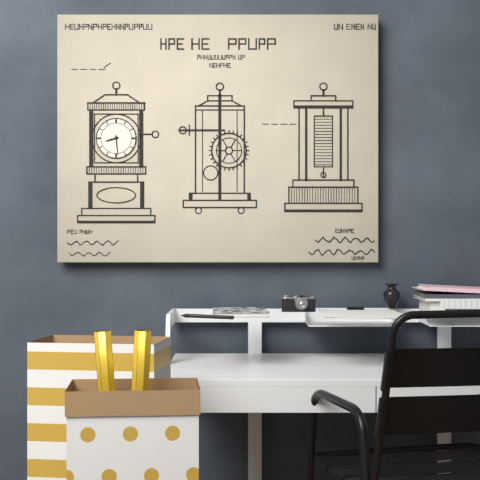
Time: h=8 m=29
